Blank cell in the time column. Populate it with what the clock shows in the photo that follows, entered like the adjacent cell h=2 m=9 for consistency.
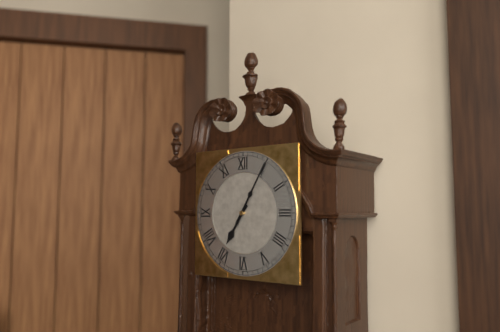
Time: h=7 m=5
